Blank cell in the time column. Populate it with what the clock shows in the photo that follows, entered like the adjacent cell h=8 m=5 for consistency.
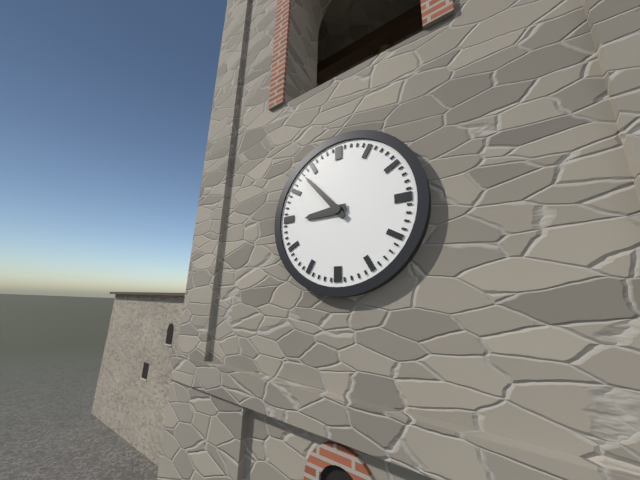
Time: h=8 m=53
